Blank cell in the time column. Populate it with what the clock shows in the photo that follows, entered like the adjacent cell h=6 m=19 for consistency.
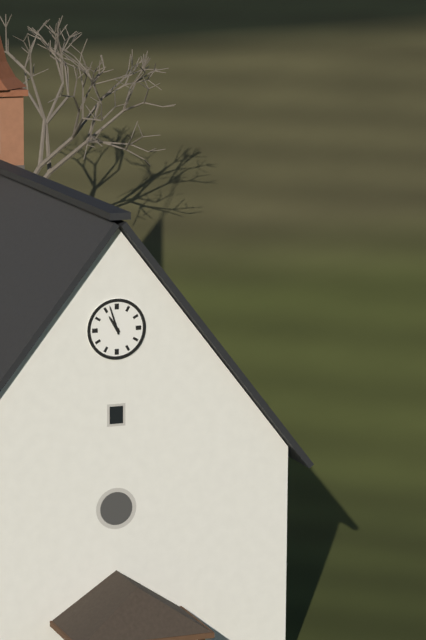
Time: h=10 m=57
